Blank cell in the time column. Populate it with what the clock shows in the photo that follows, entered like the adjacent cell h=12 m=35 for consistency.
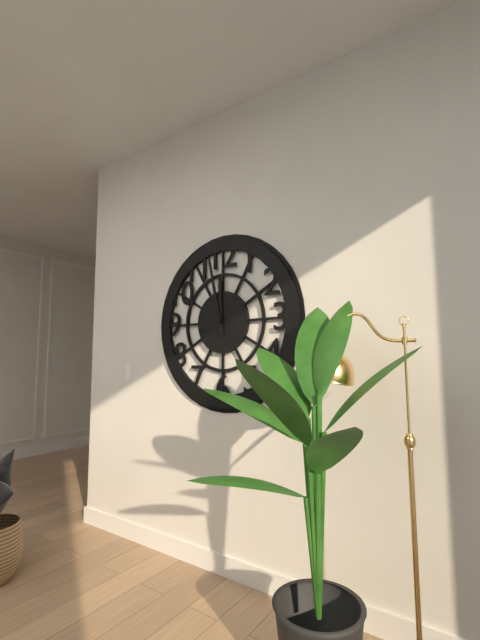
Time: h=11 m=58
